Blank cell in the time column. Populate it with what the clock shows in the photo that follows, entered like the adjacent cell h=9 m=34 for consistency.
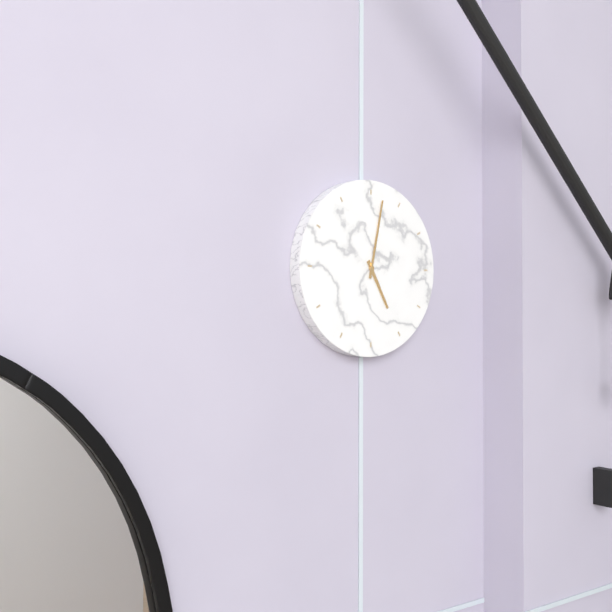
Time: h=5 m=2
